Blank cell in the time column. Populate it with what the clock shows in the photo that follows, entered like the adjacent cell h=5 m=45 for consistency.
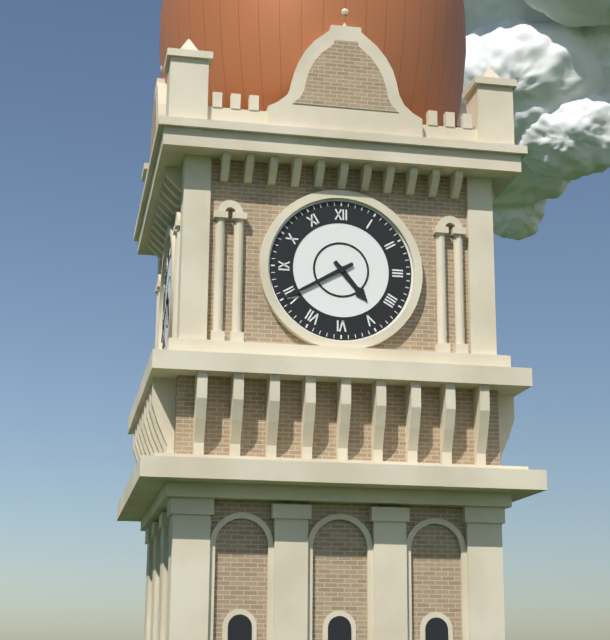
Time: h=4 m=40
